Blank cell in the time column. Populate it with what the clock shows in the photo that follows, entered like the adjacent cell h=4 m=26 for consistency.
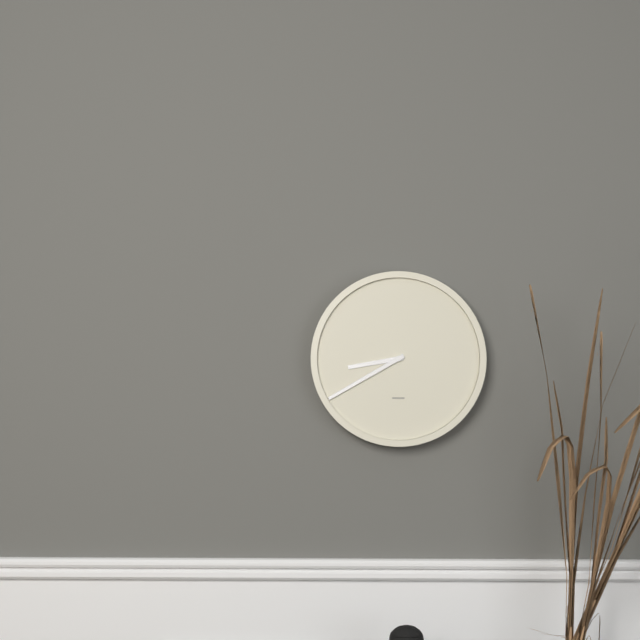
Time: h=8 m=40
